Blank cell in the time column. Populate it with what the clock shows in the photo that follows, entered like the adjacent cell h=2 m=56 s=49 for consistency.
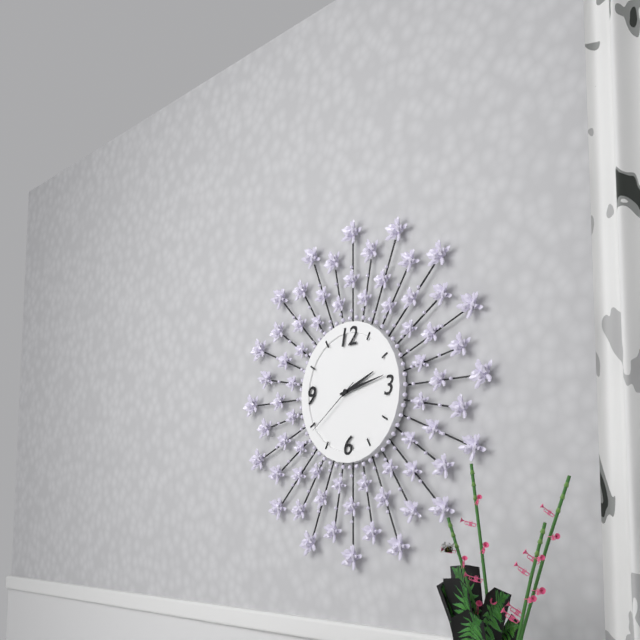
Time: h=2 m=13 s=39
